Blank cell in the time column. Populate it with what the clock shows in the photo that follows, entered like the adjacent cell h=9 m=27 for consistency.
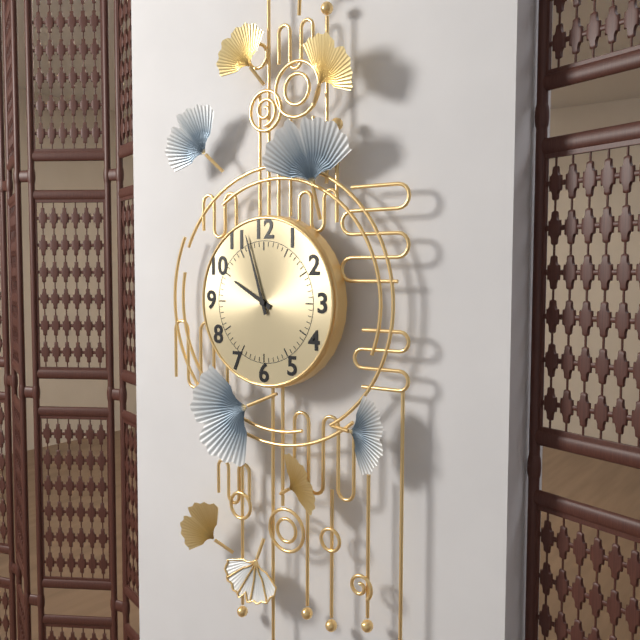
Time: h=9 m=57
